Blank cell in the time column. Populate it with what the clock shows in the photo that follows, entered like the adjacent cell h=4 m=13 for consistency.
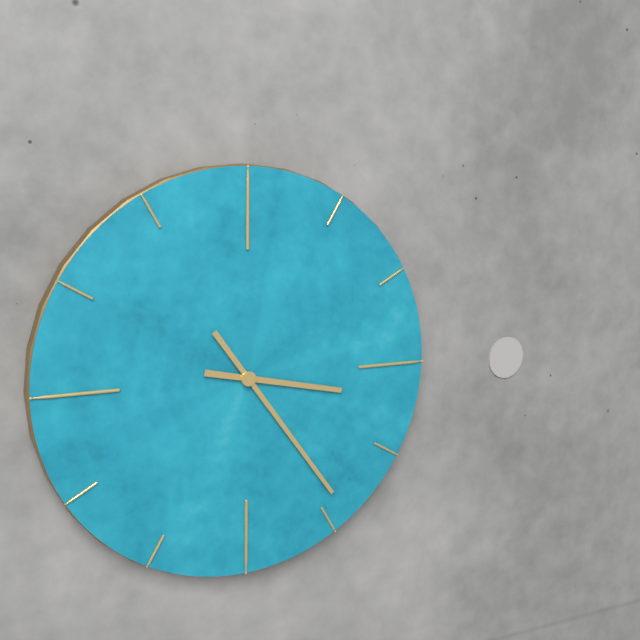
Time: h=3 m=24
